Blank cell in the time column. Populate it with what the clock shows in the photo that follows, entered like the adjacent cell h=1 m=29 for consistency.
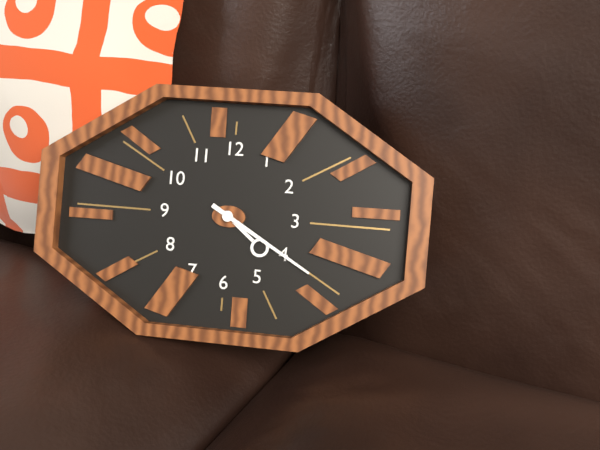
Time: h=4 m=20
